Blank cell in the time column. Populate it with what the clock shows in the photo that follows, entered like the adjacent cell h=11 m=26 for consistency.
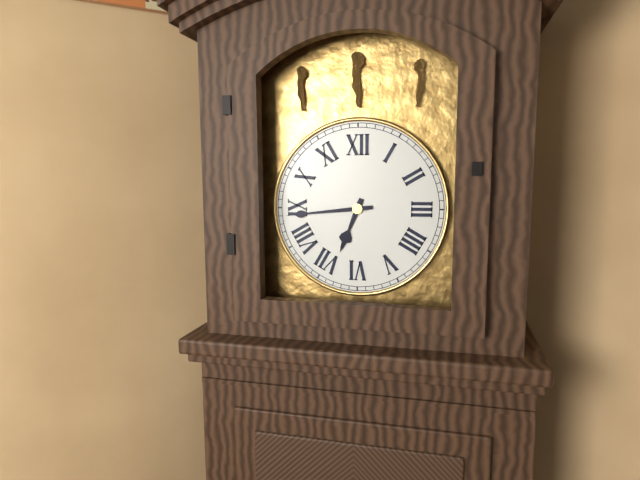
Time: h=6 m=44
